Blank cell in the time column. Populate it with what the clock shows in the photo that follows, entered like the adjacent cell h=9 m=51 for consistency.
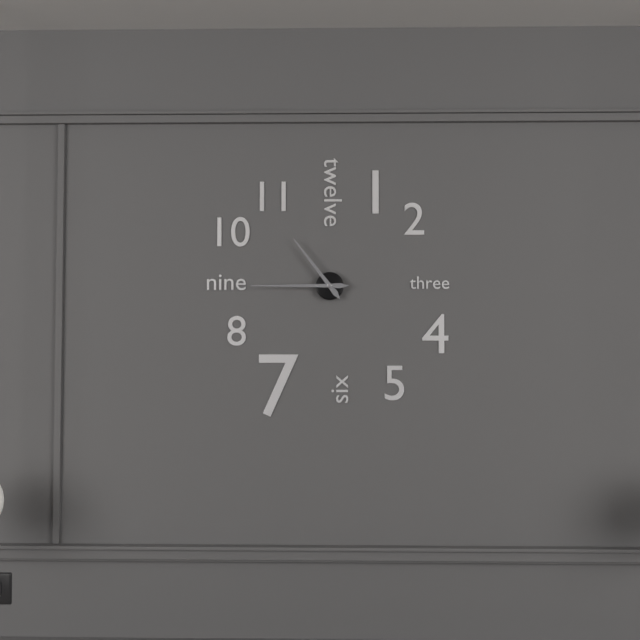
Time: h=10 m=45
